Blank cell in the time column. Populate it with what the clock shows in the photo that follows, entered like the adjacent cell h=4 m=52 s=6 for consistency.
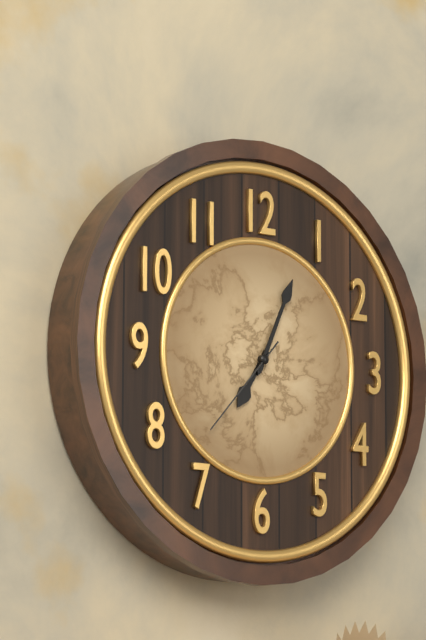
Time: h=7 m=4 s=37
